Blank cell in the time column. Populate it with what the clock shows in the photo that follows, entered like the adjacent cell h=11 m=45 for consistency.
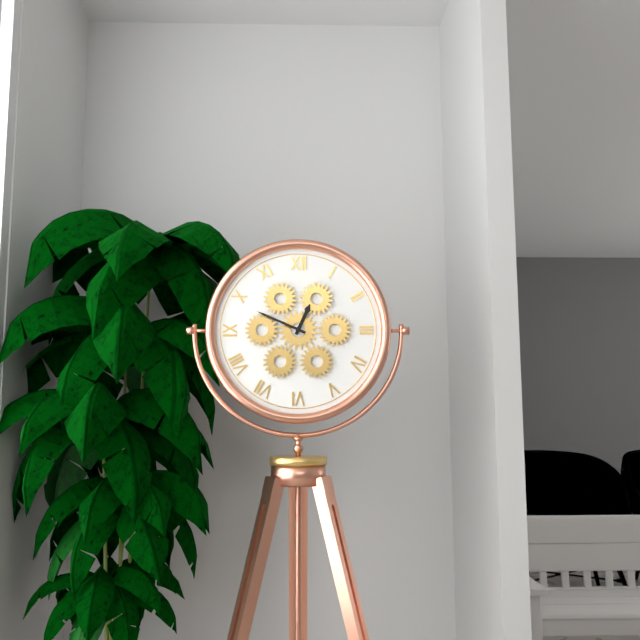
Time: h=12 m=49
